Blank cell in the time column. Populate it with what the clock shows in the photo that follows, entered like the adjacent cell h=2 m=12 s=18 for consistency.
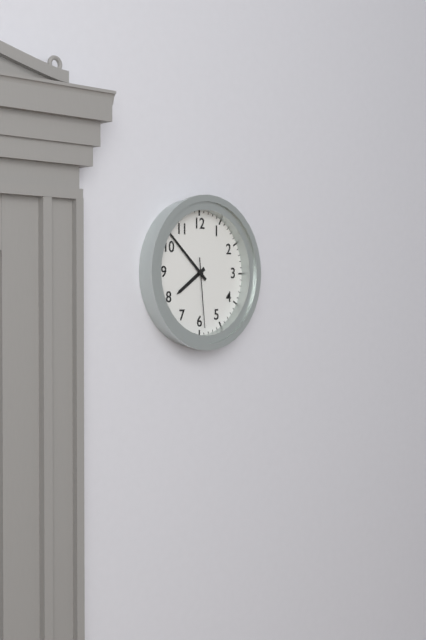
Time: h=7 m=52 s=29
